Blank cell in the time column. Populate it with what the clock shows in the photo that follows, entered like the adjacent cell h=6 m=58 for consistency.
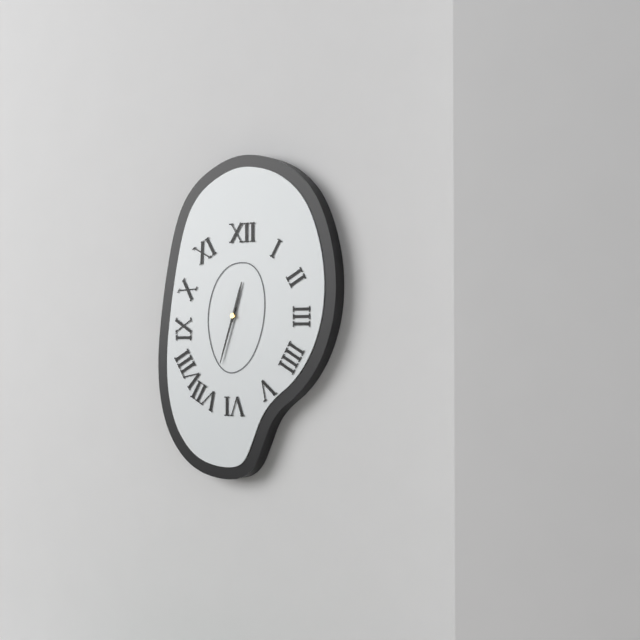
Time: h=12 m=33
